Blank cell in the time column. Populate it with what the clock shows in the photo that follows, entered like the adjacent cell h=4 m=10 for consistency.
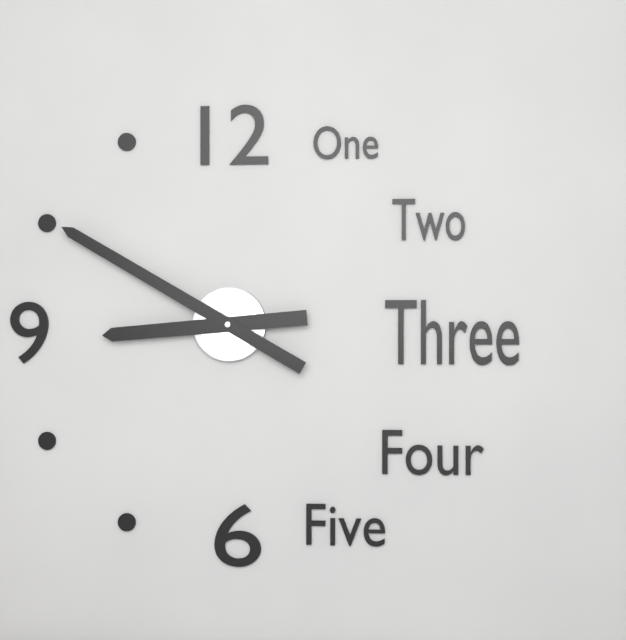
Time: h=8 m=50
